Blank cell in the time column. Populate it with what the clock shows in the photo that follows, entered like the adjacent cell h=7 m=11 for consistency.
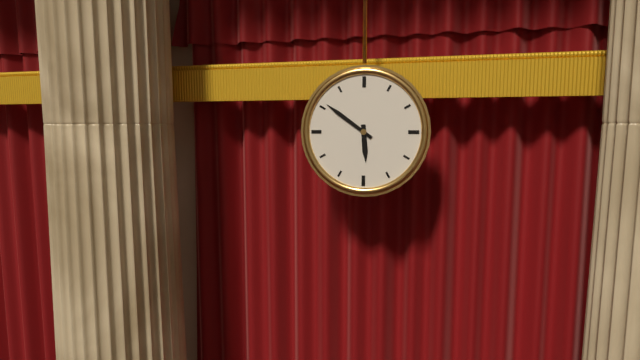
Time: h=5 m=51
